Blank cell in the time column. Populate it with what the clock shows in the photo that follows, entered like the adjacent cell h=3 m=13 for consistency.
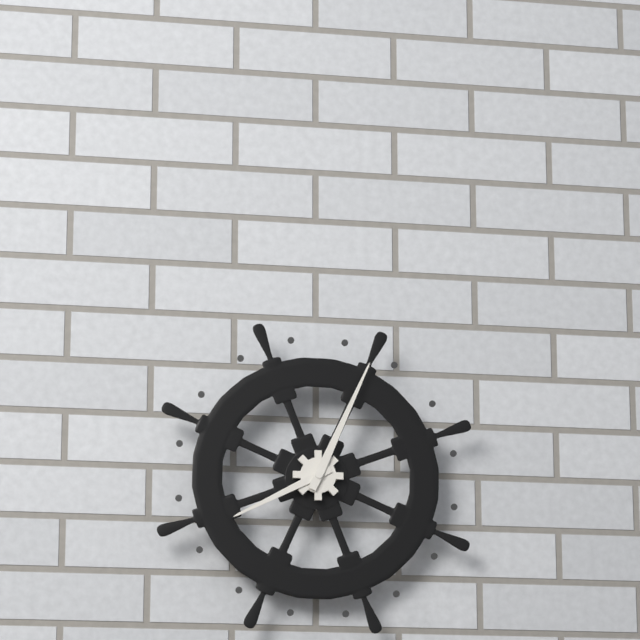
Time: h=8 m=4
